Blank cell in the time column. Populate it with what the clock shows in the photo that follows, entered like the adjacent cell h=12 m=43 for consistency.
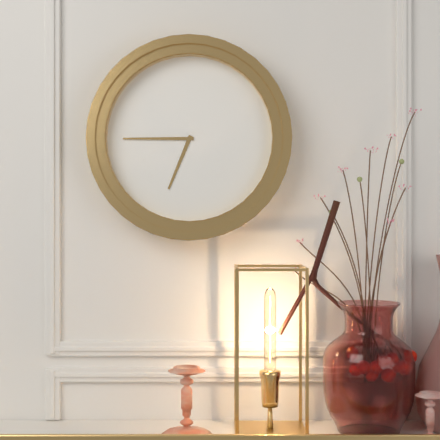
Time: h=6 m=45
